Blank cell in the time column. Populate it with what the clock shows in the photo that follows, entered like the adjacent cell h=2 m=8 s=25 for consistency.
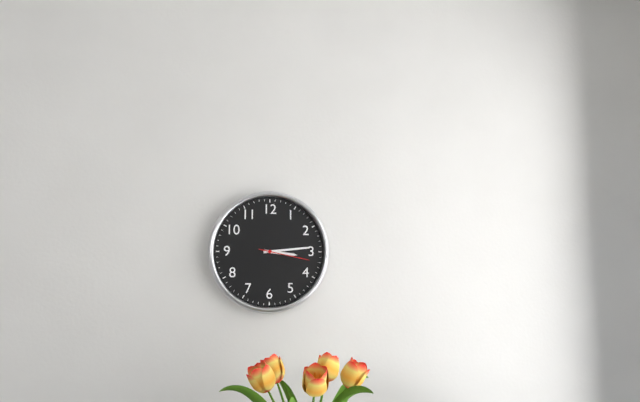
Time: h=3 m=14 s=17
